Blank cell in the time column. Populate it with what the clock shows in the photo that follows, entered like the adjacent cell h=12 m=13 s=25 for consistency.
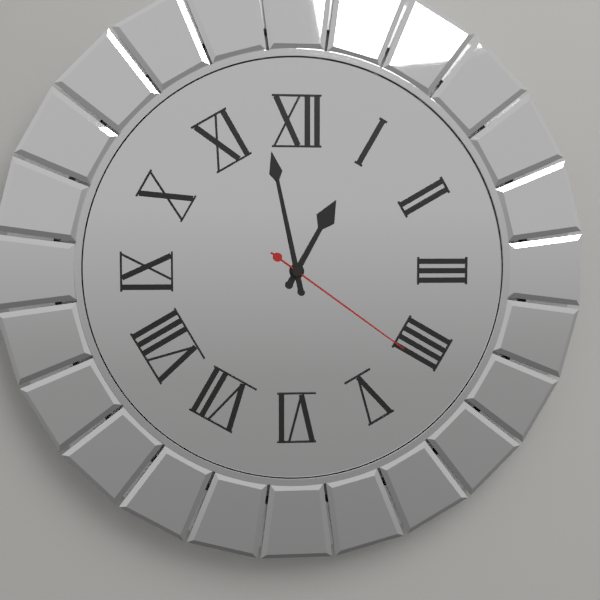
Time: h=12 m=58 s=21
